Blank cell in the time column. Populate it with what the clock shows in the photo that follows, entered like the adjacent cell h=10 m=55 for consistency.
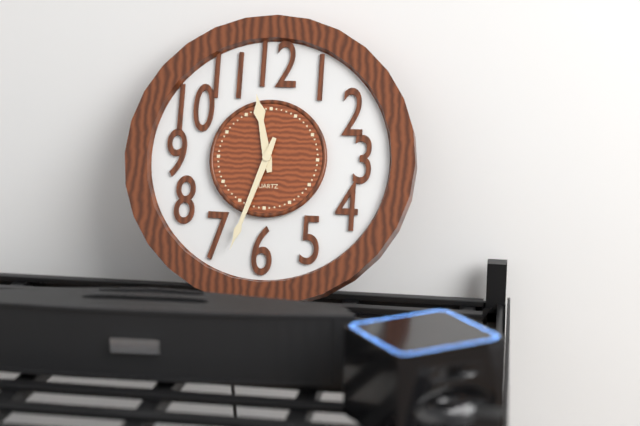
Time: h=11 m=33
